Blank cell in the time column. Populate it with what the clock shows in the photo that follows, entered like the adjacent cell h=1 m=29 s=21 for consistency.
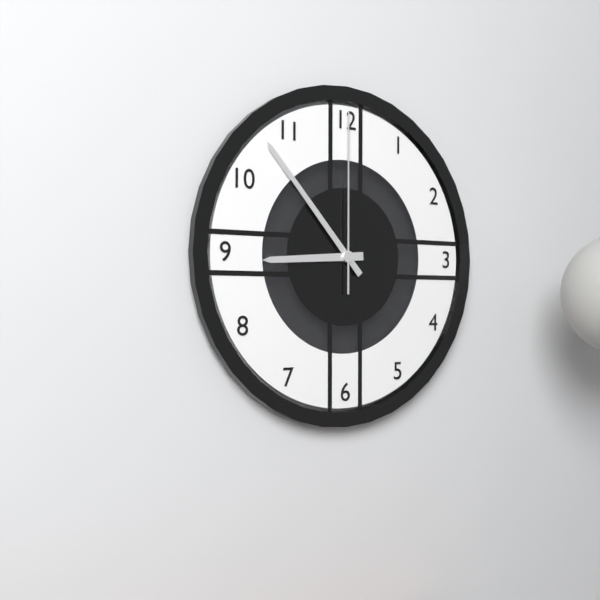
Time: h=8 m=53 s=0
